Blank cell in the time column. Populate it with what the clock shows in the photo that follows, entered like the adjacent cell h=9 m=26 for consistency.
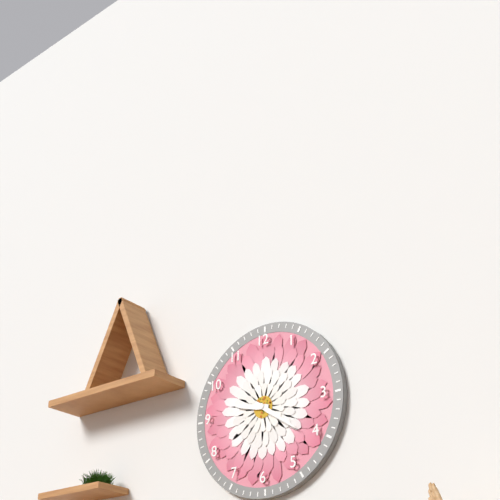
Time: h=9 m=21
